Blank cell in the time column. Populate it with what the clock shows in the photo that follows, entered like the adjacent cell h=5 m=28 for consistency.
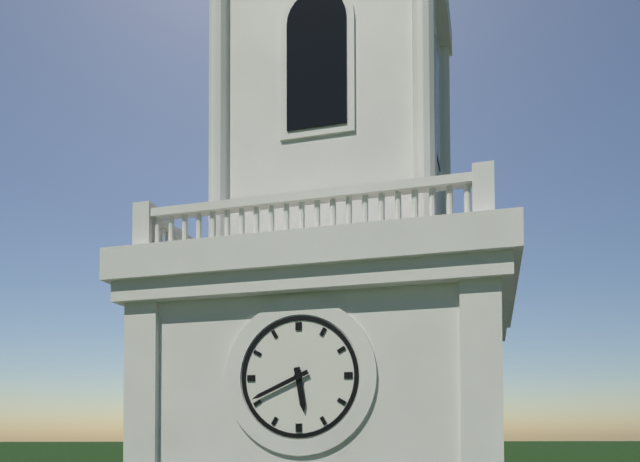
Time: h=5 m=41
